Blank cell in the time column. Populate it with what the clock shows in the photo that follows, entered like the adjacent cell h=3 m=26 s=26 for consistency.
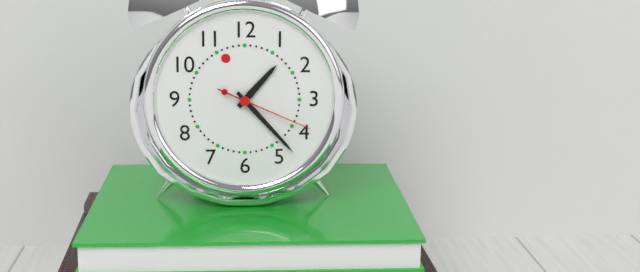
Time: h=1 m=23 s=19
